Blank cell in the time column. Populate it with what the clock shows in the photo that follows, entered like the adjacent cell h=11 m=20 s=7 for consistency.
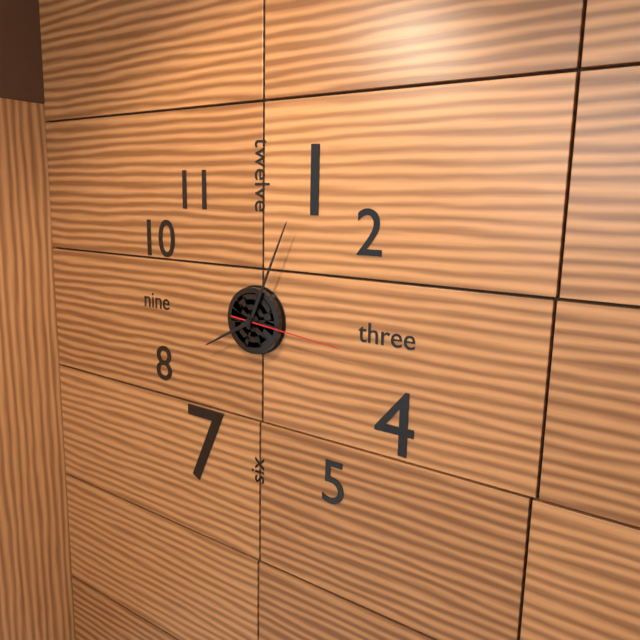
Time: h=8 m=4 s=16
